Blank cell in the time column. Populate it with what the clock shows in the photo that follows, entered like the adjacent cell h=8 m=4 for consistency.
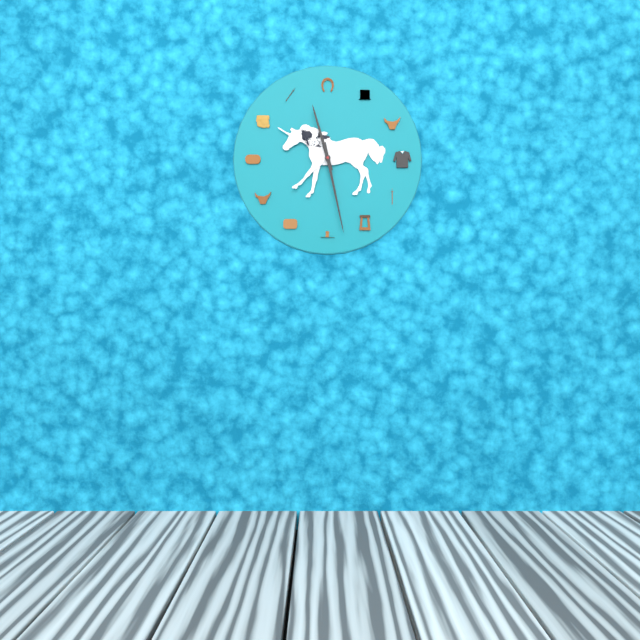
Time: h=11 m=28
